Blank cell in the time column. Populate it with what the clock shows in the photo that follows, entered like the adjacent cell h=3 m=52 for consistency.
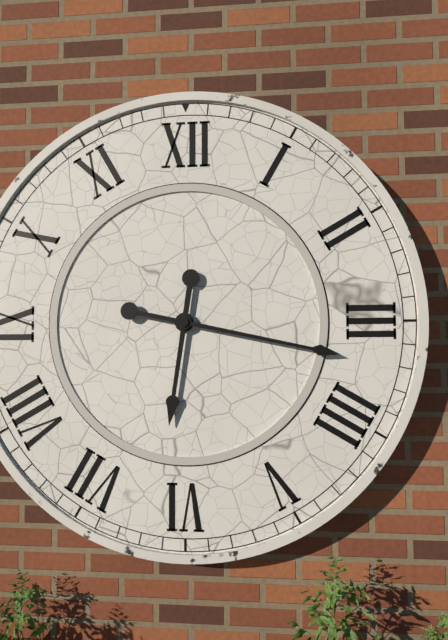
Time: h=6 m=17
